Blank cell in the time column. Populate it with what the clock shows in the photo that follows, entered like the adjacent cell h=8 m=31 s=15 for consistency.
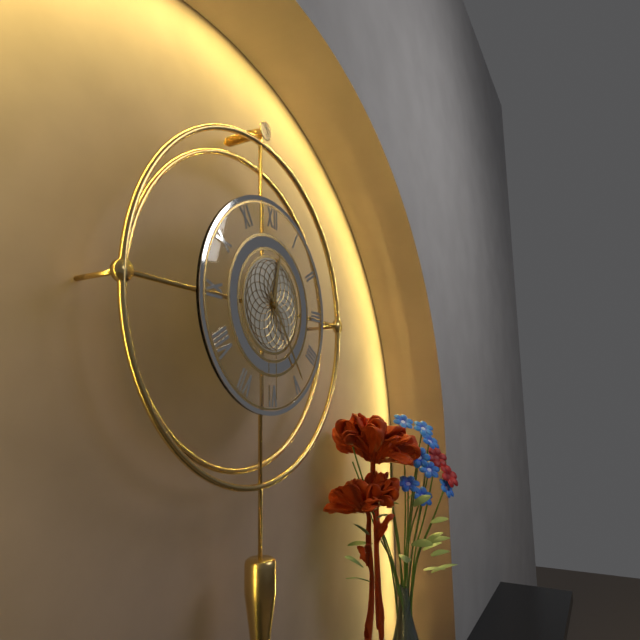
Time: h=12 m=24 s=30
